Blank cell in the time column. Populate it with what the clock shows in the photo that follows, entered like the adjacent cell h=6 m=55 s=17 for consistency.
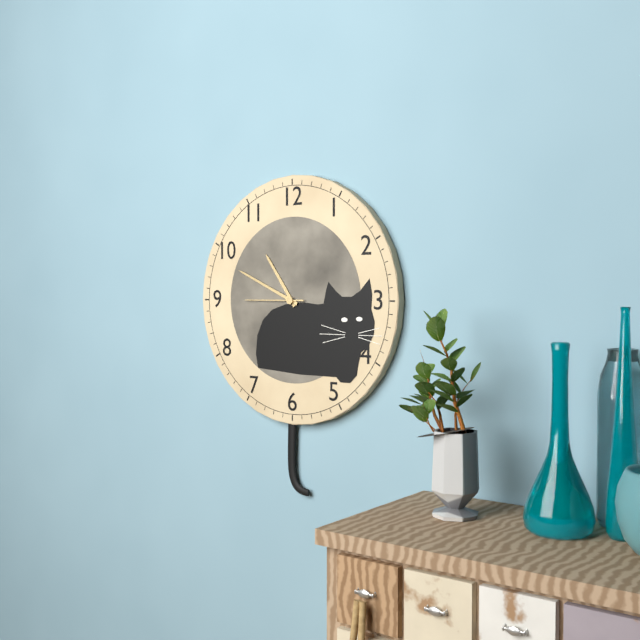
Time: h=10 m=49 s=45
